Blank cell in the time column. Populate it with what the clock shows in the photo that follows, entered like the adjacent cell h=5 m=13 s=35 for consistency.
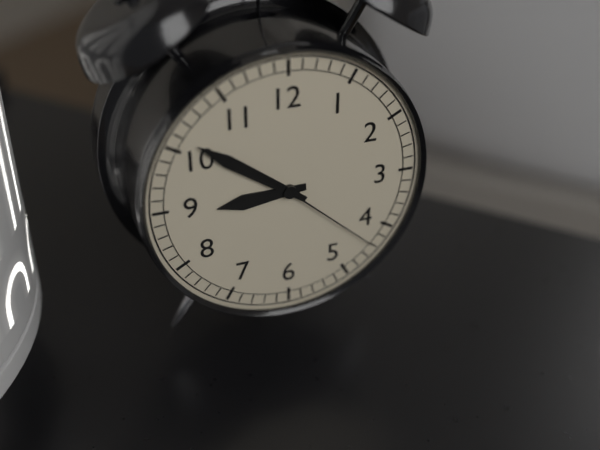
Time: h=8 m=51 s=22
